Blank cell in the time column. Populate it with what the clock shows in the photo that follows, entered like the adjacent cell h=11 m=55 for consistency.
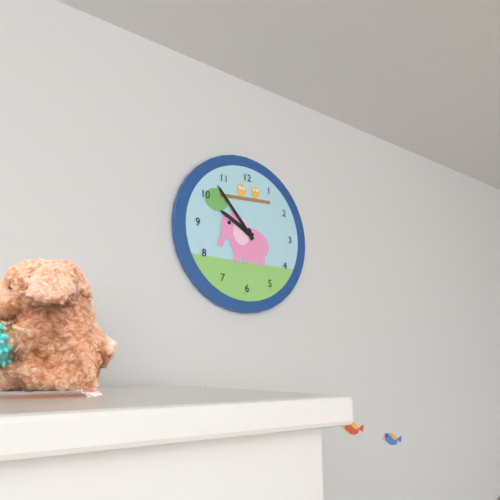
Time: h=9 m=53
